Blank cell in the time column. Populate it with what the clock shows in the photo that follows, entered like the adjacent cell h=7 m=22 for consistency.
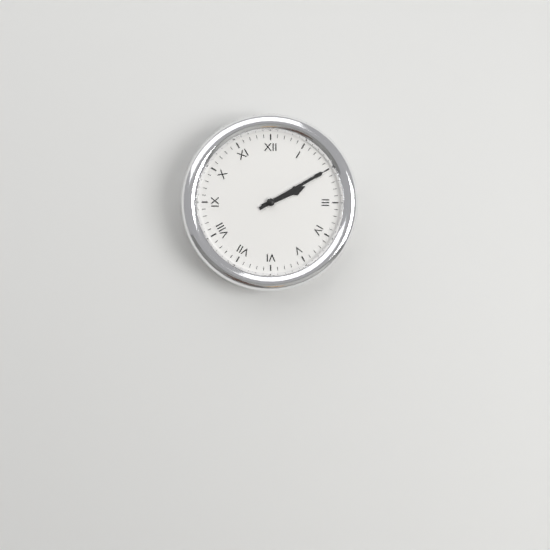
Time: h=2 m=10
